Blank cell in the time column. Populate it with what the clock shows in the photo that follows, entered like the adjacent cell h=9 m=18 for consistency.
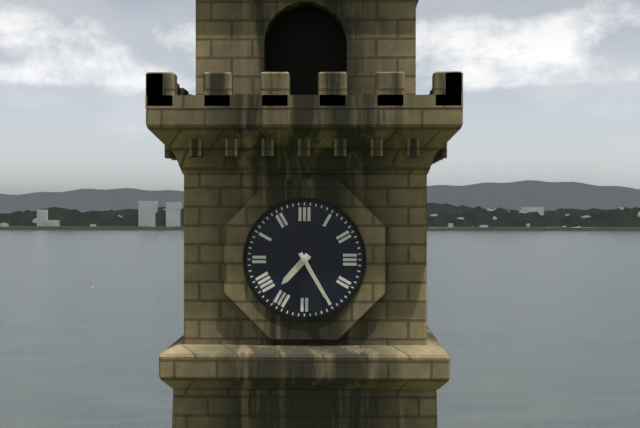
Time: h=7 m=25
